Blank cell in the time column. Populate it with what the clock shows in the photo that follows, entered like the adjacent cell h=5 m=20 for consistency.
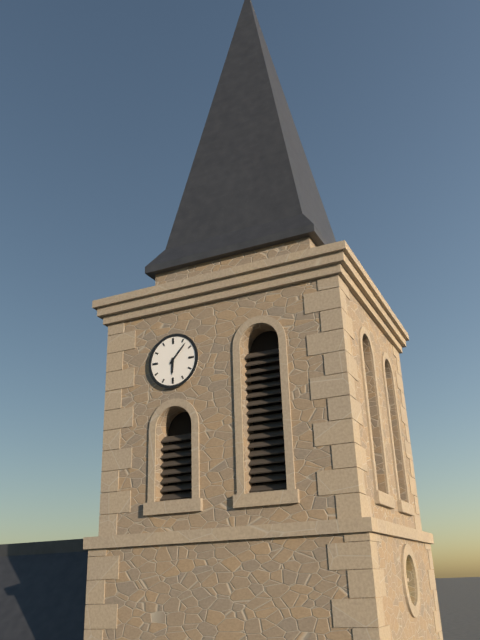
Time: h=6 m=7
